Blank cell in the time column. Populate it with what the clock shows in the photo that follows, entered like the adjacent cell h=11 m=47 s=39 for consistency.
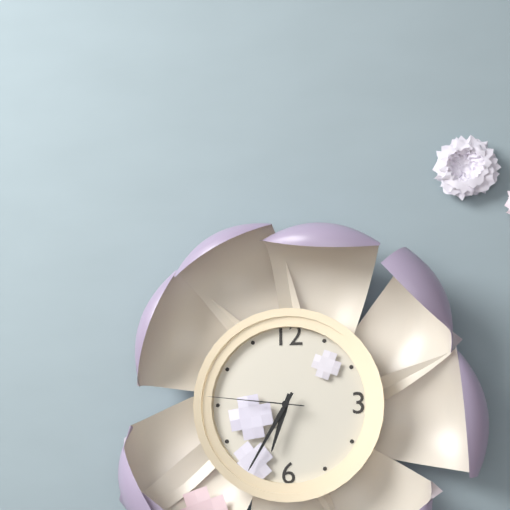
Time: h=6 m=35 s=46
